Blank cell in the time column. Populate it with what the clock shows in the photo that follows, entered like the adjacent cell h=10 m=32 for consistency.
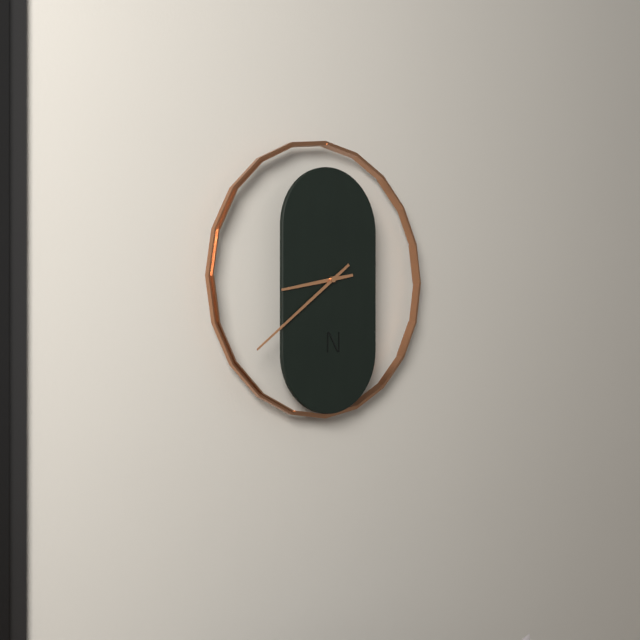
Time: h=8 m=39
